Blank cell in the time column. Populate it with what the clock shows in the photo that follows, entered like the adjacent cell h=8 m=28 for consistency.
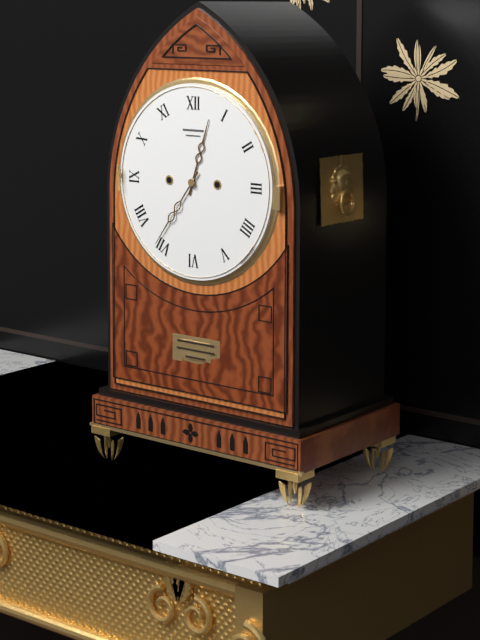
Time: h=12 m=36
